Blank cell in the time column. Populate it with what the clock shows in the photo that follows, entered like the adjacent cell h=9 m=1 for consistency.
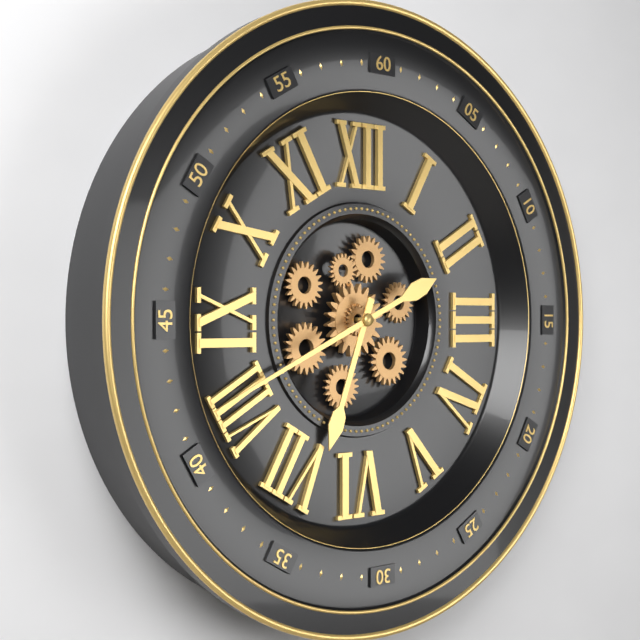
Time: h=6 m=41
